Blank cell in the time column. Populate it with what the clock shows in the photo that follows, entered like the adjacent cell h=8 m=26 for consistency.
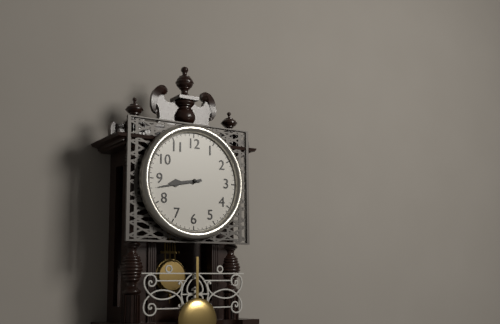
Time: h=8 m=43
